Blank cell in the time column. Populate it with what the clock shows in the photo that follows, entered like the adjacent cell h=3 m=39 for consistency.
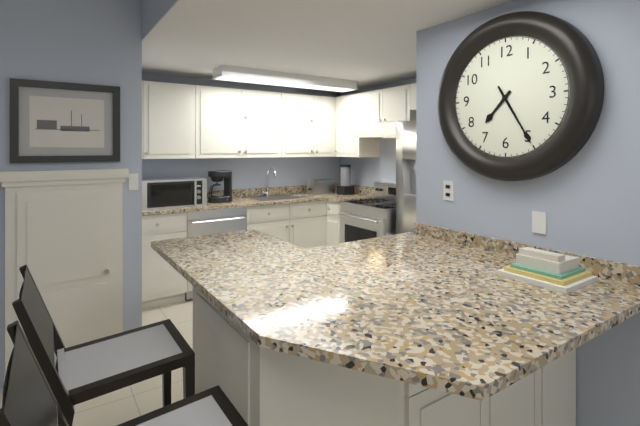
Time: h=7 m=25
